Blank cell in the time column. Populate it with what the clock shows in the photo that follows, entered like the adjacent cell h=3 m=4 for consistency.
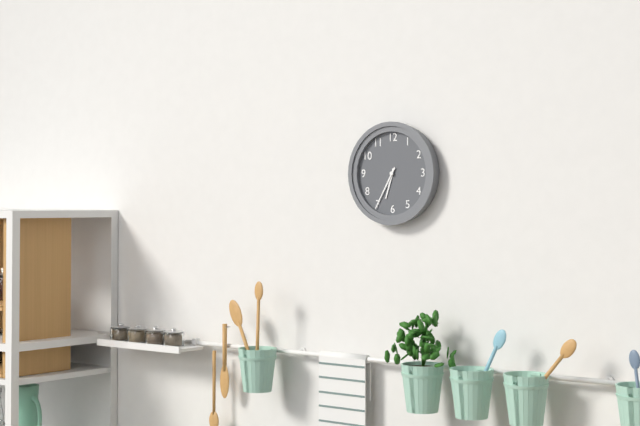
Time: h=6 m=35
